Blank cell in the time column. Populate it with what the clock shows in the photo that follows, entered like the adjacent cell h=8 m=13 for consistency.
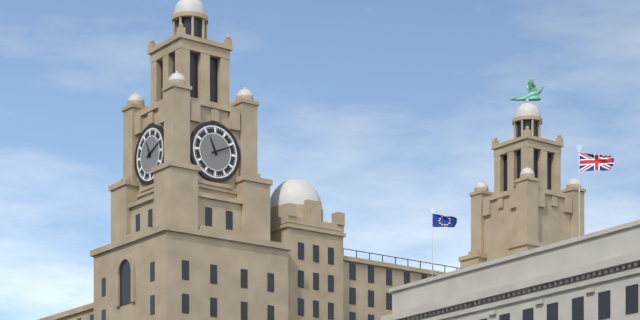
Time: h=11 m=11
